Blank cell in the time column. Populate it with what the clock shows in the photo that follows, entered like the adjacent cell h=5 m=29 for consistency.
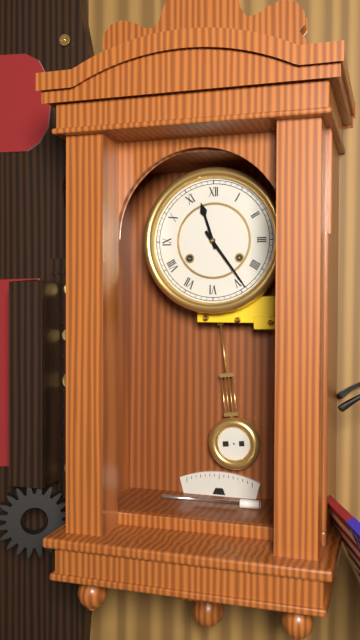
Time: h=11 m=24
